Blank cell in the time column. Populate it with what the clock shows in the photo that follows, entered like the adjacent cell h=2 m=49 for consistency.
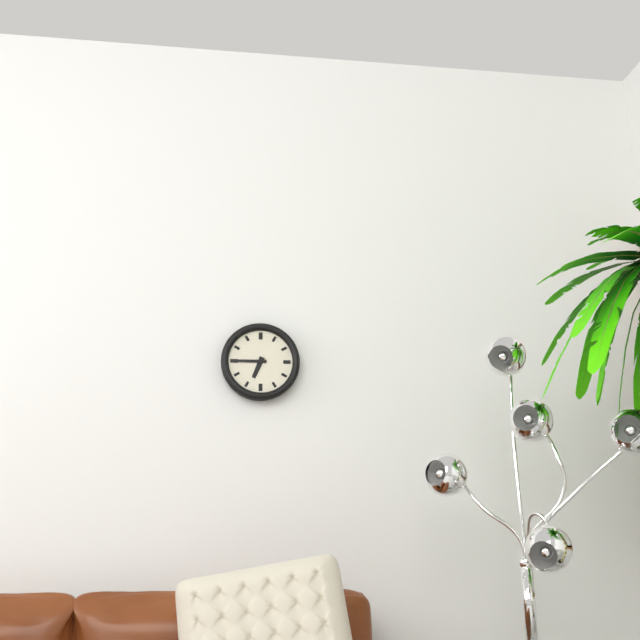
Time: h=6 m=45
